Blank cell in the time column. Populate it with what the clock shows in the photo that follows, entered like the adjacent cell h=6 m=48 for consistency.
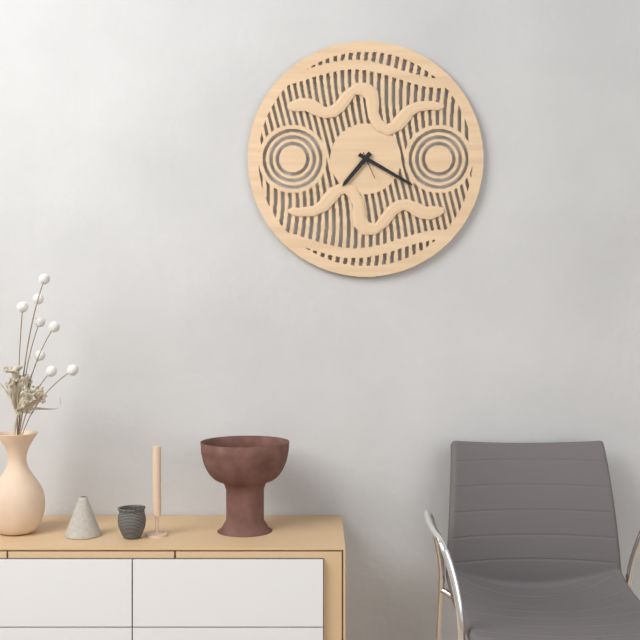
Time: h=7 m=20
